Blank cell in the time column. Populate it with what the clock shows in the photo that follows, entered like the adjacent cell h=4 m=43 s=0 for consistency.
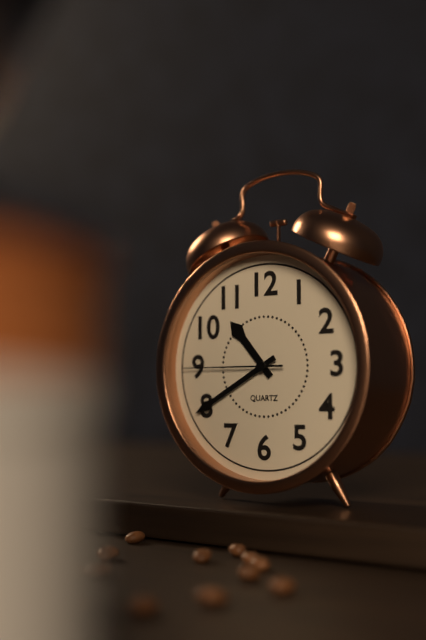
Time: h=10 m=40 s=45
